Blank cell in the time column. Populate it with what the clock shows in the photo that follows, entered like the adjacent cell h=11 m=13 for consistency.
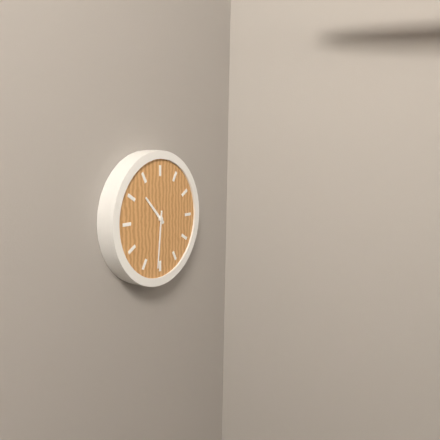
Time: h=10 m=31
